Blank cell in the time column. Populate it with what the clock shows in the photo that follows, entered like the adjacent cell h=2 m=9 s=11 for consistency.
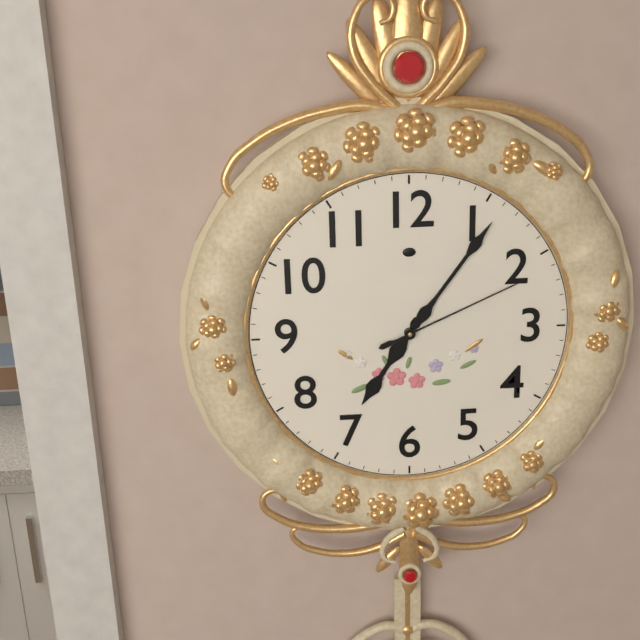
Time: h=7 m=6 s=11
